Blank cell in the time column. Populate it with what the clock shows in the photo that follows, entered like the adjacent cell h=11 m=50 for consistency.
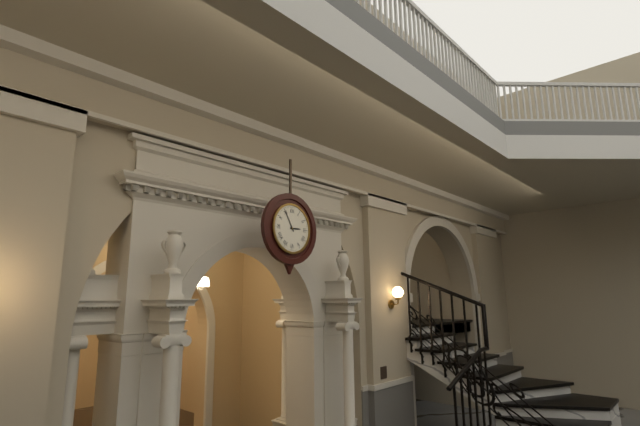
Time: h=2 m=55
